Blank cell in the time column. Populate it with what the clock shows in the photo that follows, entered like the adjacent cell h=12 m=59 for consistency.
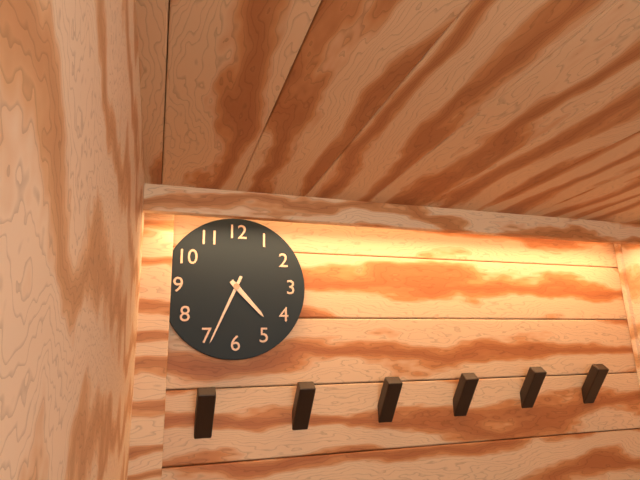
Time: h=4 m=34
